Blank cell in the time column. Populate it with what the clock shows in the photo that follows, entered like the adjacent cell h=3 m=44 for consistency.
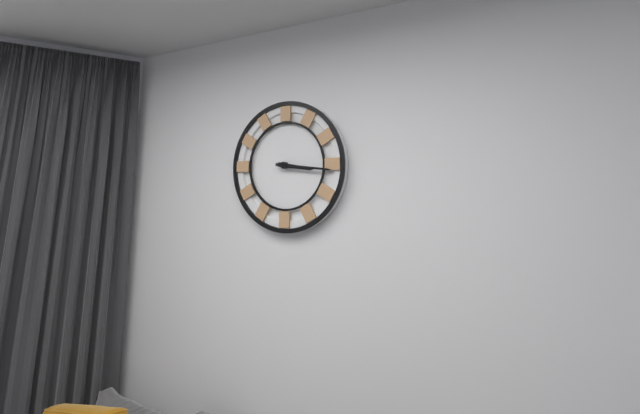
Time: h=3 m=16
